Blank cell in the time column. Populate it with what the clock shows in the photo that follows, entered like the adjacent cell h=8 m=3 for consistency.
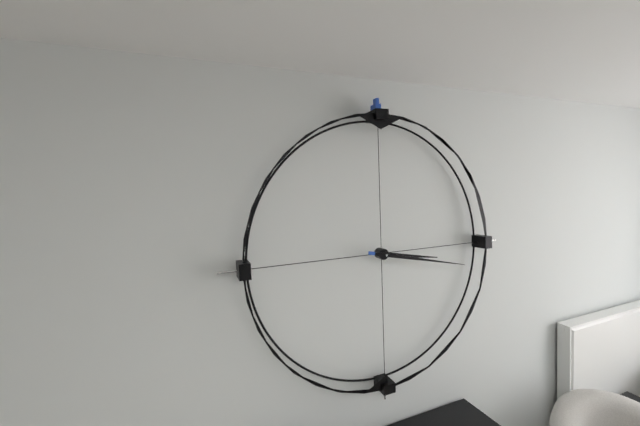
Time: h=3 m=17
